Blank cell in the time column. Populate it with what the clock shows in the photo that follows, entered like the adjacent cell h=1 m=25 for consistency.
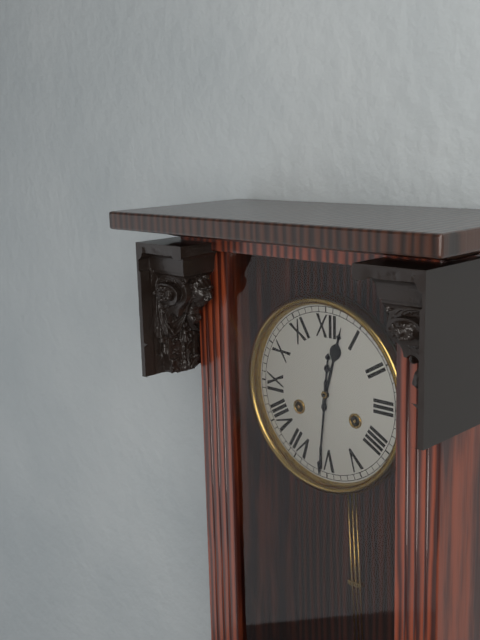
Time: h=12 m=31
